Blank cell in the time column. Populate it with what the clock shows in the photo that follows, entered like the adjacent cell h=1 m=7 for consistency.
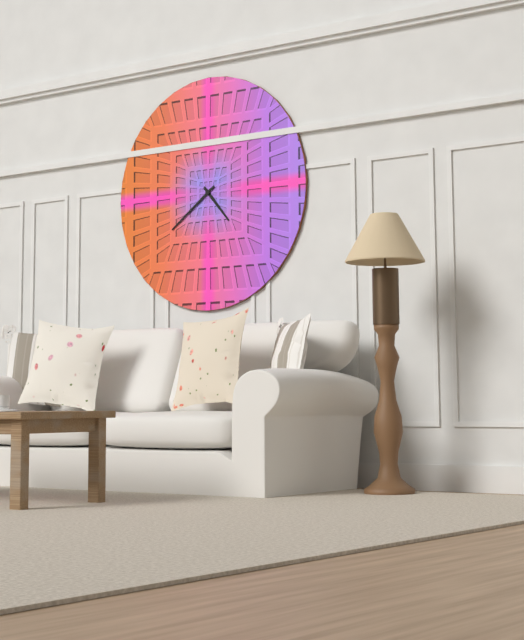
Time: h=4 m=39
